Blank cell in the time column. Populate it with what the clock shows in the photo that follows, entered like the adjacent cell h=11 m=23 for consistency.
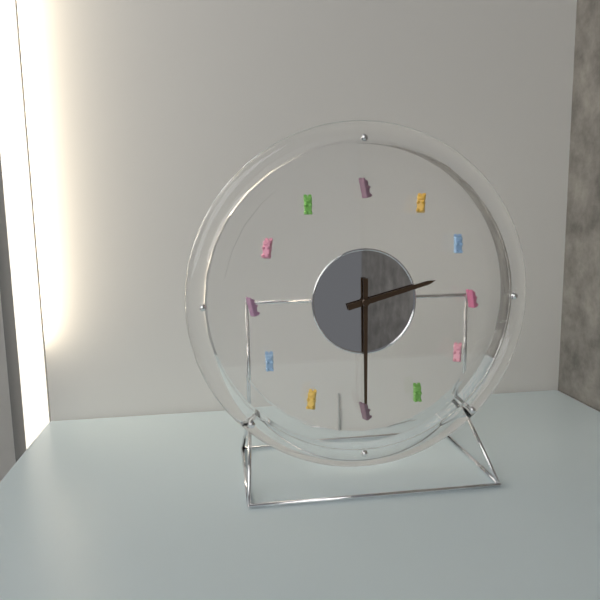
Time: h=2 m=30
